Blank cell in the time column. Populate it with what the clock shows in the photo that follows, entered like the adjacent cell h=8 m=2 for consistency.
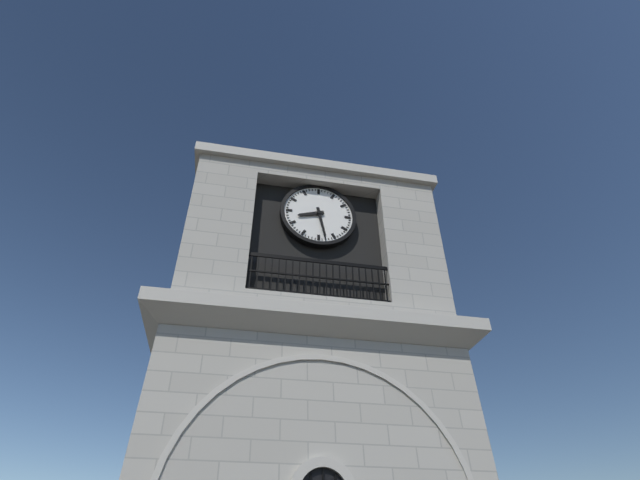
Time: h=8 m=28
